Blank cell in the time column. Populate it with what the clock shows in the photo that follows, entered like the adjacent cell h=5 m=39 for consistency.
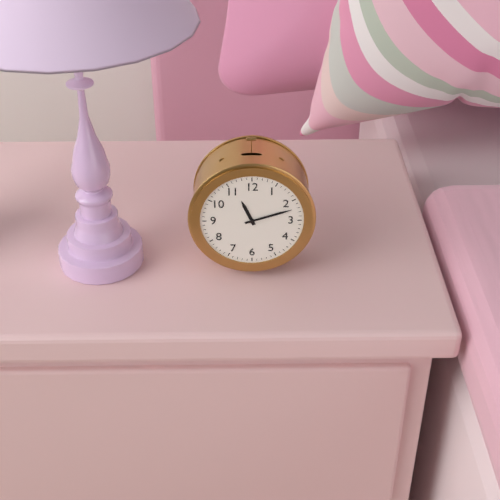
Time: h=11 m=12
